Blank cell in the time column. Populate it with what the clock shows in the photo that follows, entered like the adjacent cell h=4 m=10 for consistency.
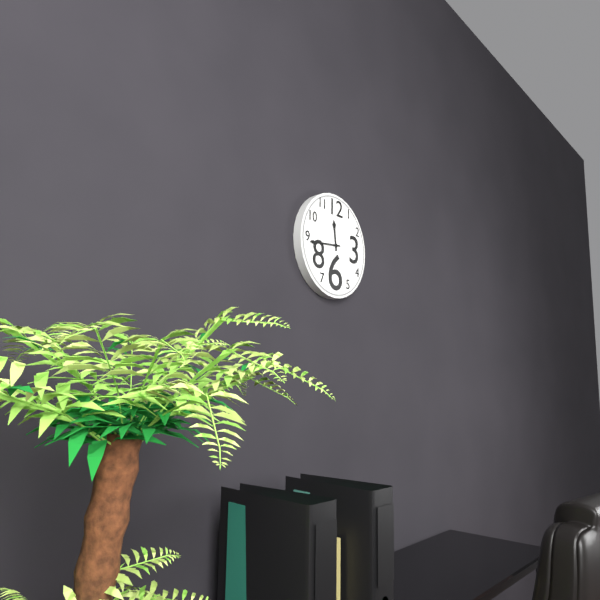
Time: h=11 m=44
